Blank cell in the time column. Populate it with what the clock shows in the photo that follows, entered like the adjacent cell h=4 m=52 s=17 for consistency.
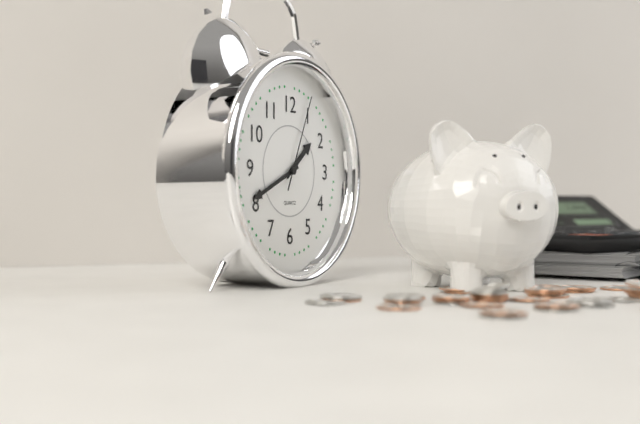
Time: h=1 m=41 s=4
